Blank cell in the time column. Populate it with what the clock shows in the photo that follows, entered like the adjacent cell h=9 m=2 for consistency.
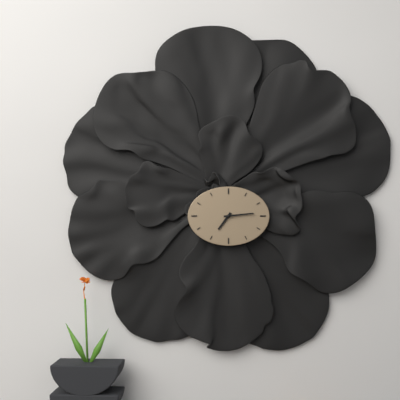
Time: h=7 m=14
